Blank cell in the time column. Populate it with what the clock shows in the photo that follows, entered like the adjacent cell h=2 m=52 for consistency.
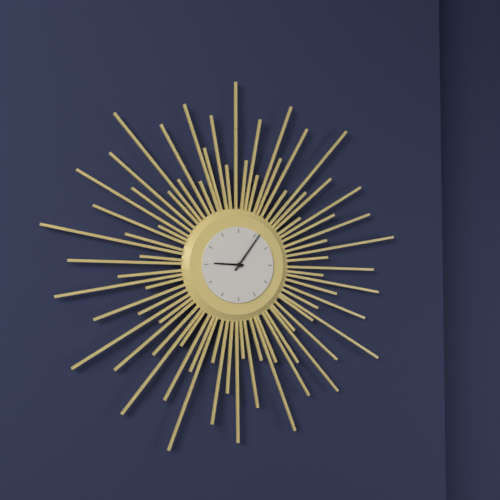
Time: h=9 m=6
